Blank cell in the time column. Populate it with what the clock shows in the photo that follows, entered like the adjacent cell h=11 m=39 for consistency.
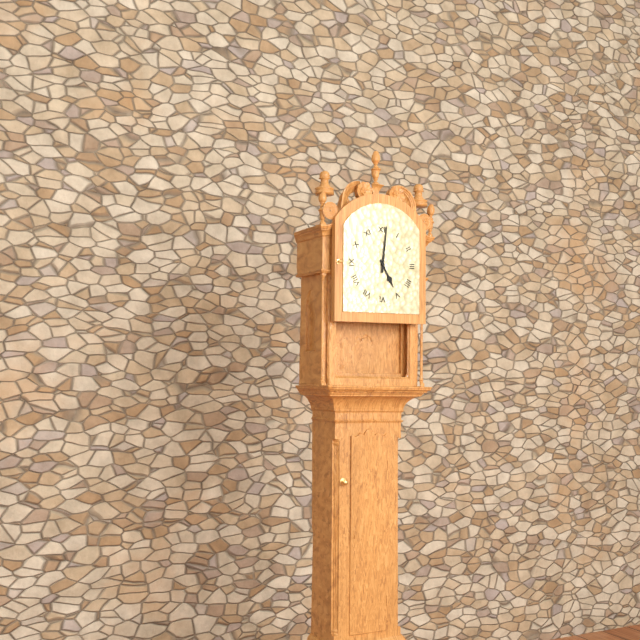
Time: h=5 m=1
